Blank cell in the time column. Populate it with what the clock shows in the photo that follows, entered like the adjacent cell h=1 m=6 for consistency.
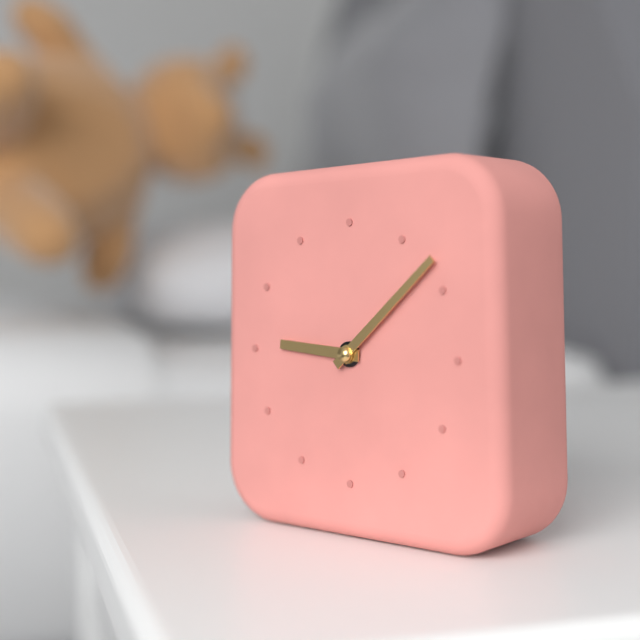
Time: h=9 m=8
